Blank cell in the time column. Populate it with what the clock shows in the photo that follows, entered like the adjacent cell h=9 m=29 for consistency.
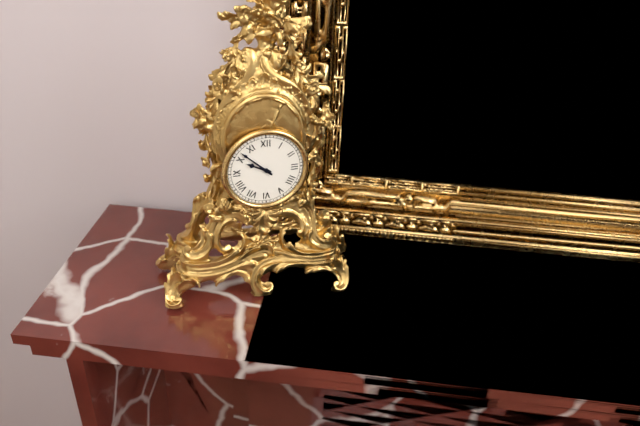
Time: h=9 m=52
